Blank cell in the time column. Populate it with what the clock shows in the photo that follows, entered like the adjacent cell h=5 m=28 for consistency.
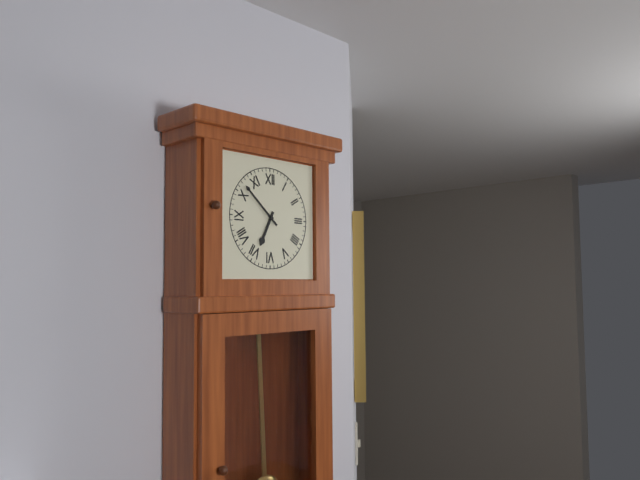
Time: h=6 m=52
